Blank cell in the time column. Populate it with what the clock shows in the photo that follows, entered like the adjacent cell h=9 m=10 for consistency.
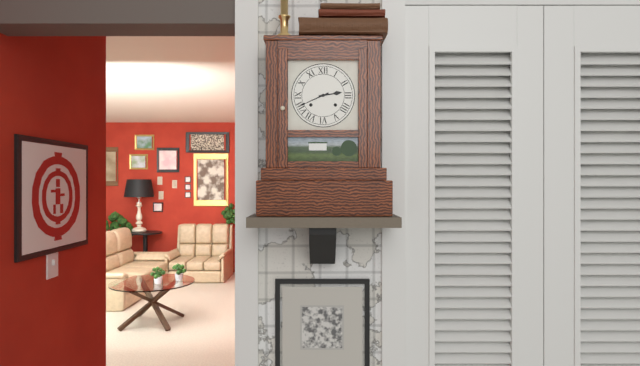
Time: h=2 m=41
